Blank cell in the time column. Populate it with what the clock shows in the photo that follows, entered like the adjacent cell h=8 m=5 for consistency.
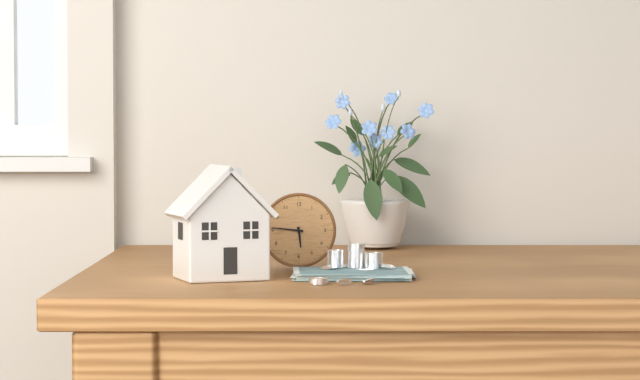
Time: h=5 m=46
